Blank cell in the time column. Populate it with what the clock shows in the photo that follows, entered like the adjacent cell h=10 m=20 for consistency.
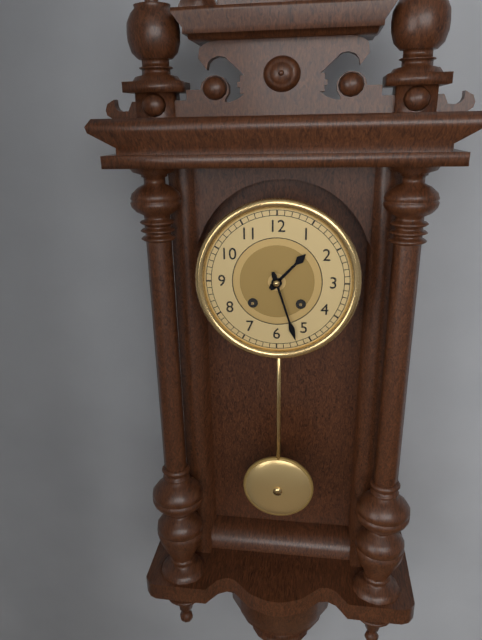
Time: h=1 m=27
